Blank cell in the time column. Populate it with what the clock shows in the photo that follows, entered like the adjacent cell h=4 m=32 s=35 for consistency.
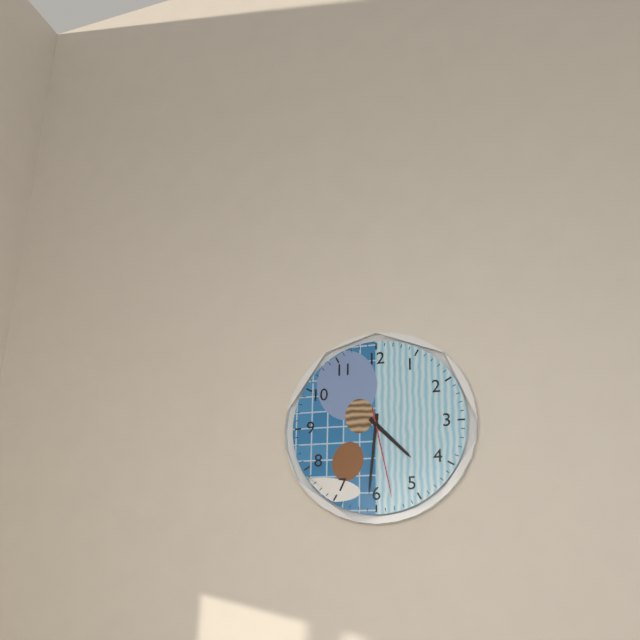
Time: h=4 m=31 s=28
